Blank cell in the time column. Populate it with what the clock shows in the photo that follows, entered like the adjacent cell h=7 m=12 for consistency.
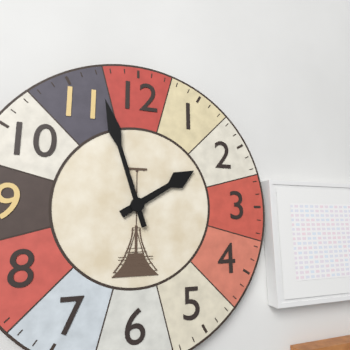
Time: h=1 m=57
